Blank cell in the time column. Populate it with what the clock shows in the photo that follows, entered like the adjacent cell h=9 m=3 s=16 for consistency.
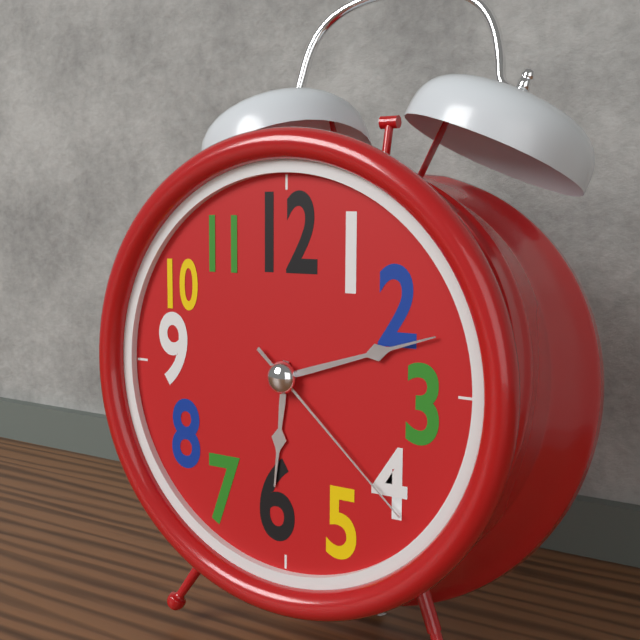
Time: h=6 m=12 s=22
